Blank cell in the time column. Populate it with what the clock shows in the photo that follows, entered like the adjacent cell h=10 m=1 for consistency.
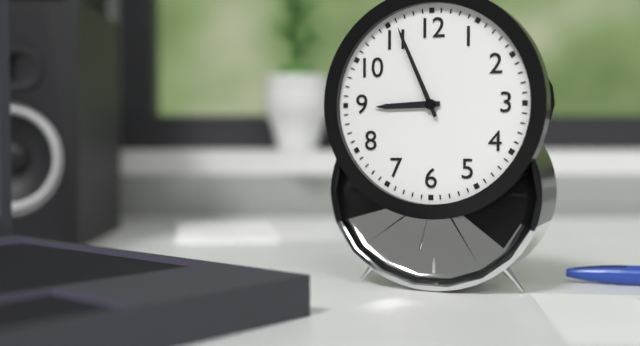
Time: h=8 m=56
